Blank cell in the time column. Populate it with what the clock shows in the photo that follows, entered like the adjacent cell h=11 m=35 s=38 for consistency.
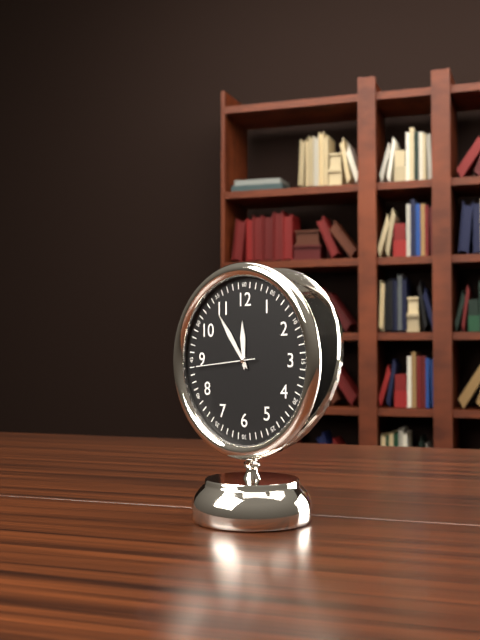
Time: h=11 m=54 s=44
